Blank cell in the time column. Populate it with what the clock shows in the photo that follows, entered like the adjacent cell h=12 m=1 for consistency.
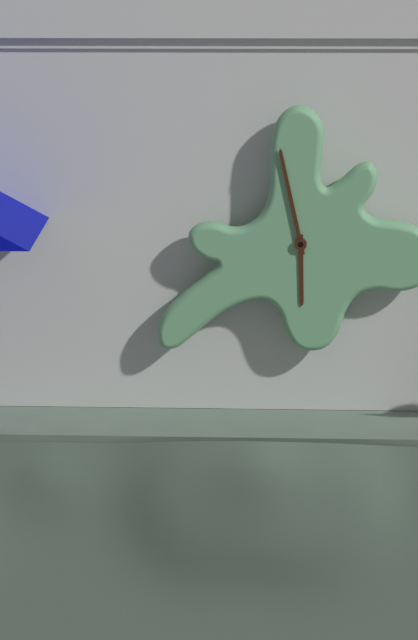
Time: h=5 m=58
